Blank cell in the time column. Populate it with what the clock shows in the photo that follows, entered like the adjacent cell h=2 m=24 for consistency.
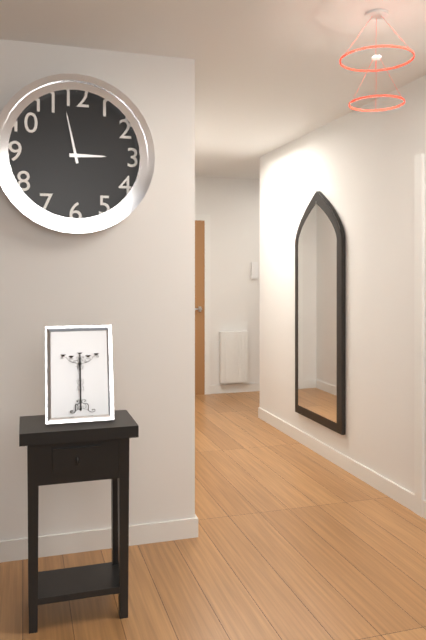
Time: h=2 m=58
